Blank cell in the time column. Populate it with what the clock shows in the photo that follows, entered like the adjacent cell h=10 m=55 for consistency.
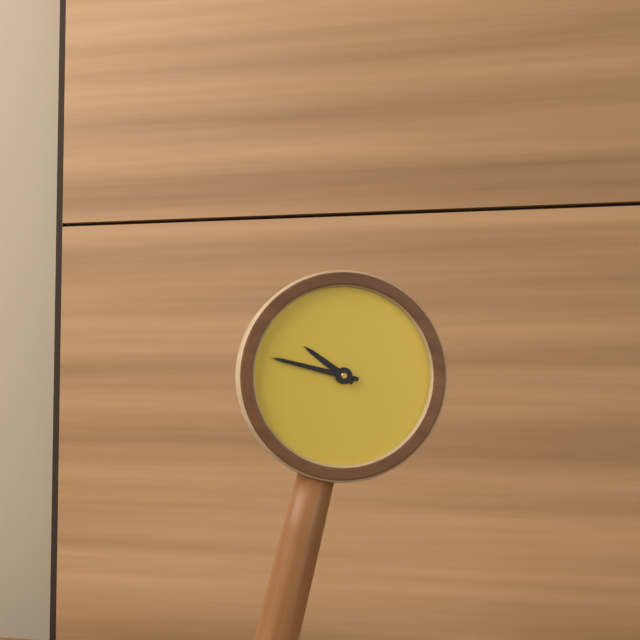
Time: h=9 m=45
